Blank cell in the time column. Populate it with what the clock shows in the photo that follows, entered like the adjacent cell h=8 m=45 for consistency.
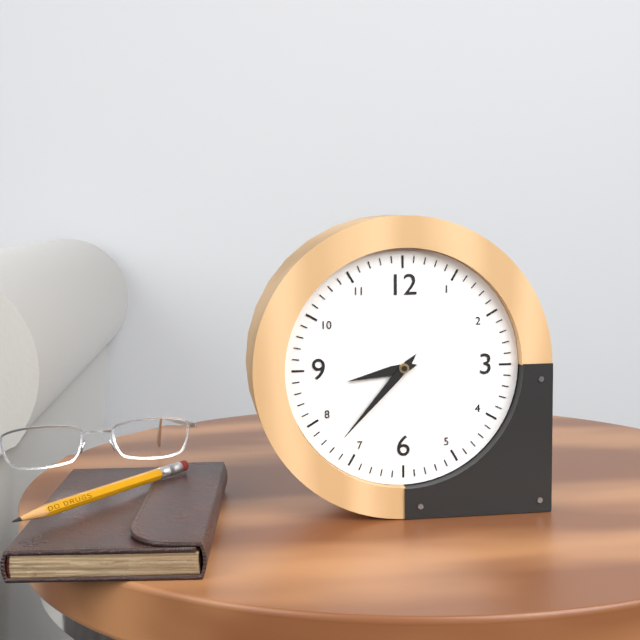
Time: h=8 m=37
